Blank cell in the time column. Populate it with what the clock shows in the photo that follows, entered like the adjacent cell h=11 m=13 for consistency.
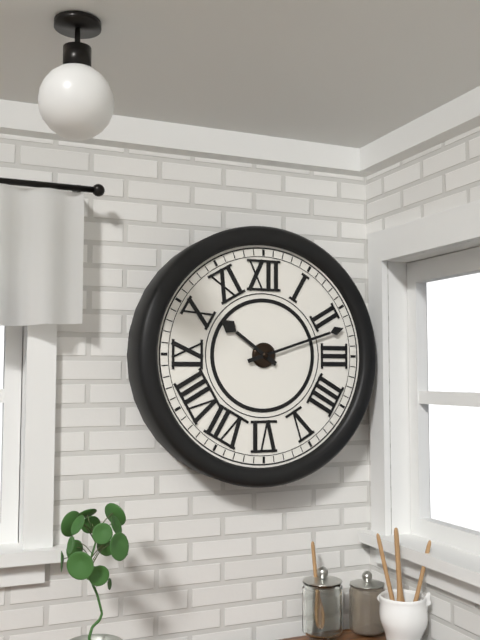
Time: h=10 m=12
